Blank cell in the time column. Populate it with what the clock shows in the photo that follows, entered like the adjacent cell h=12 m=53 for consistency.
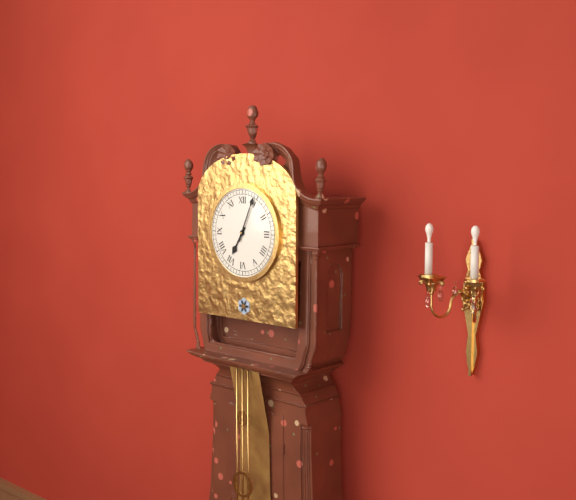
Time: h=7 m=4
